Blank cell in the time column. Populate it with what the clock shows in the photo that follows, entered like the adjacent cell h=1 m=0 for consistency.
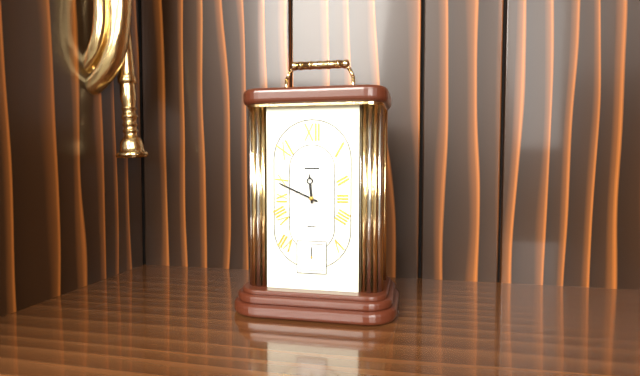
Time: h=11 m=49
